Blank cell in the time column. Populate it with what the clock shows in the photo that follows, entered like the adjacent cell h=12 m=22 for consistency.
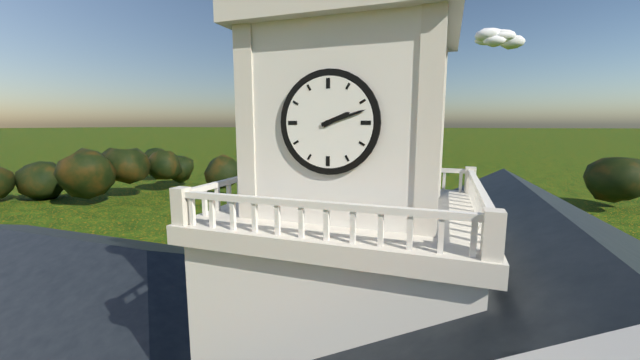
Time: h=2 m=12
